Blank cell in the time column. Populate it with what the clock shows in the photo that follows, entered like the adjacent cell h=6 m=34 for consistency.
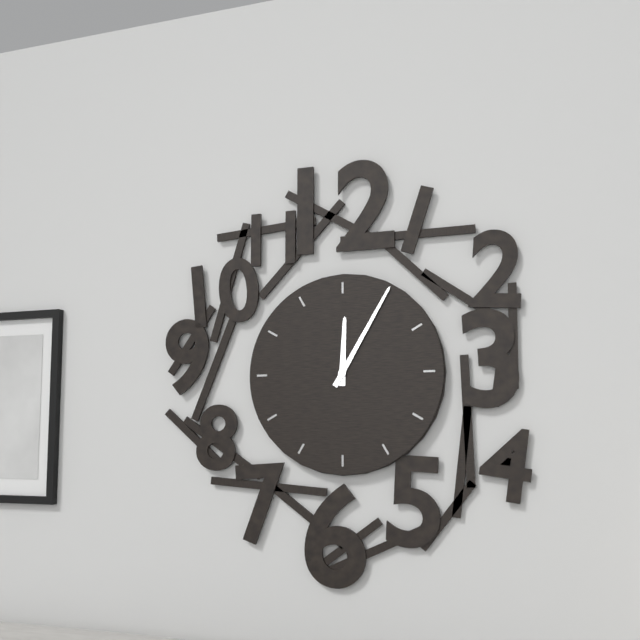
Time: h=12 m=5
